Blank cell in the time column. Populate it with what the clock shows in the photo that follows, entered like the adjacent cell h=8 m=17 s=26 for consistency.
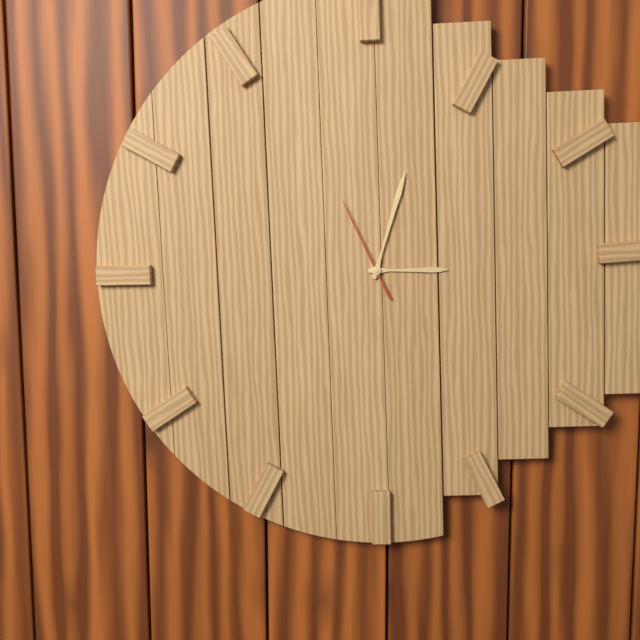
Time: h=3 m=3 s=56
